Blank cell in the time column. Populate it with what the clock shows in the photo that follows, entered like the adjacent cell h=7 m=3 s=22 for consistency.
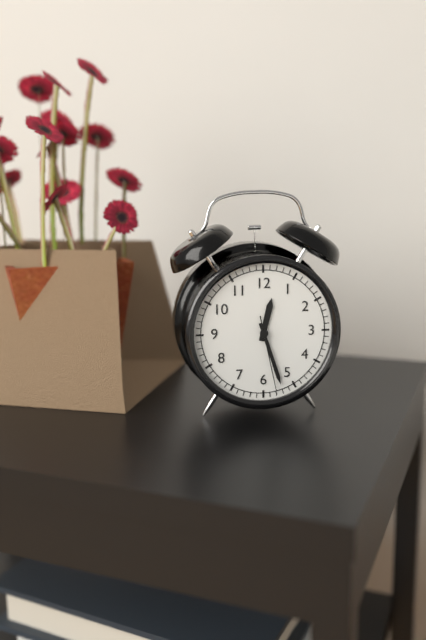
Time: h=12 m=27 s=28
